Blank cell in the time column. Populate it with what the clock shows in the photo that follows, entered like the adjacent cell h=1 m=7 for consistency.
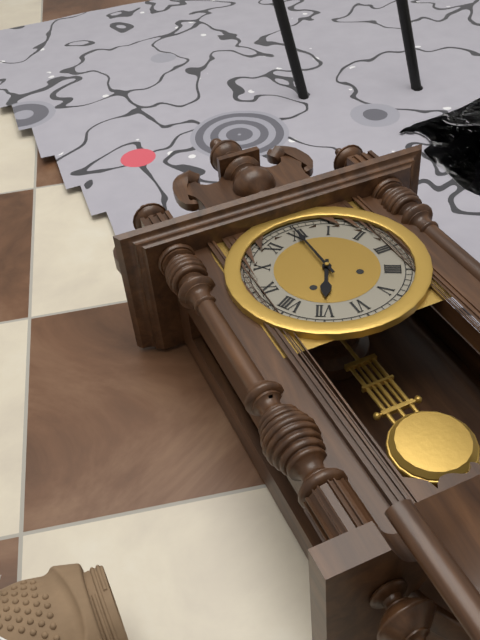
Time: h=7 m=0
